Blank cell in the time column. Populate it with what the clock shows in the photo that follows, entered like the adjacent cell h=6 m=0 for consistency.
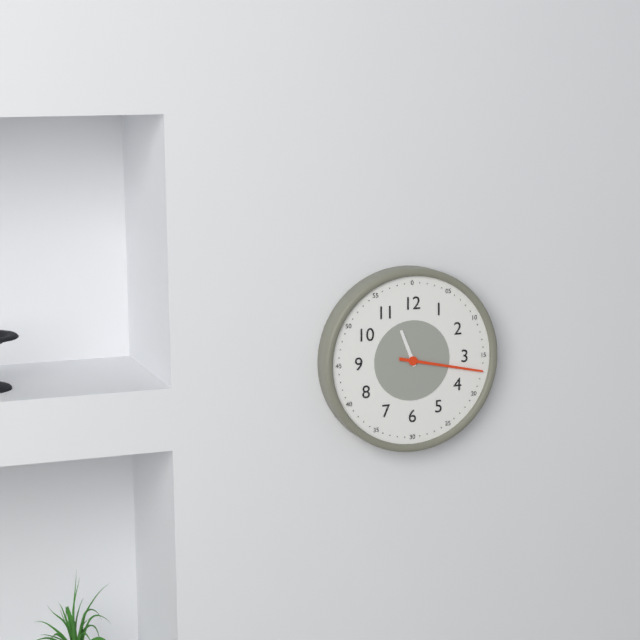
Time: h=11 m=17
